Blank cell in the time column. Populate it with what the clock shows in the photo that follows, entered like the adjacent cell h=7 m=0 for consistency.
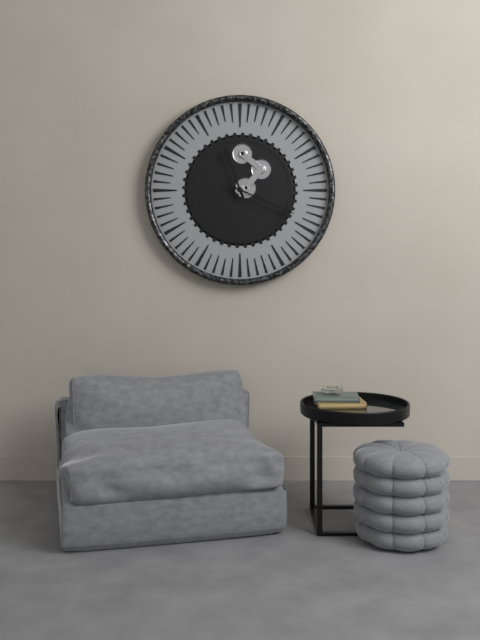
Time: h=11 m=19
